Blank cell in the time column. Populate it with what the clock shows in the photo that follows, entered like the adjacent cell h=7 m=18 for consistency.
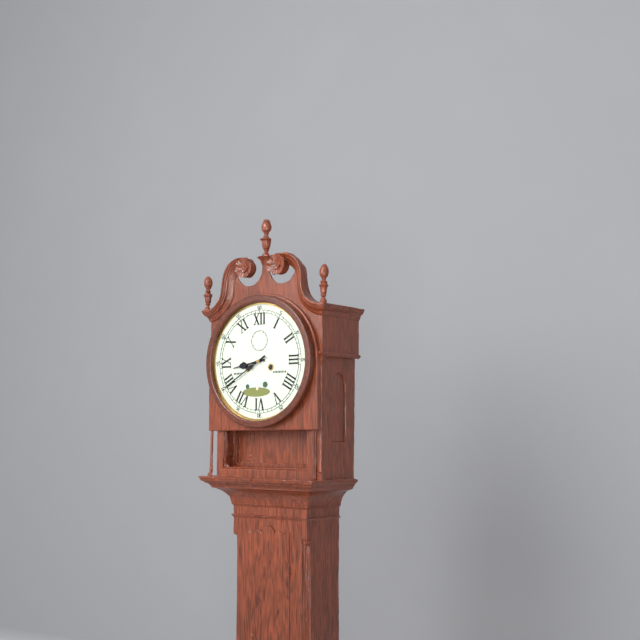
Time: h=8 m=40
